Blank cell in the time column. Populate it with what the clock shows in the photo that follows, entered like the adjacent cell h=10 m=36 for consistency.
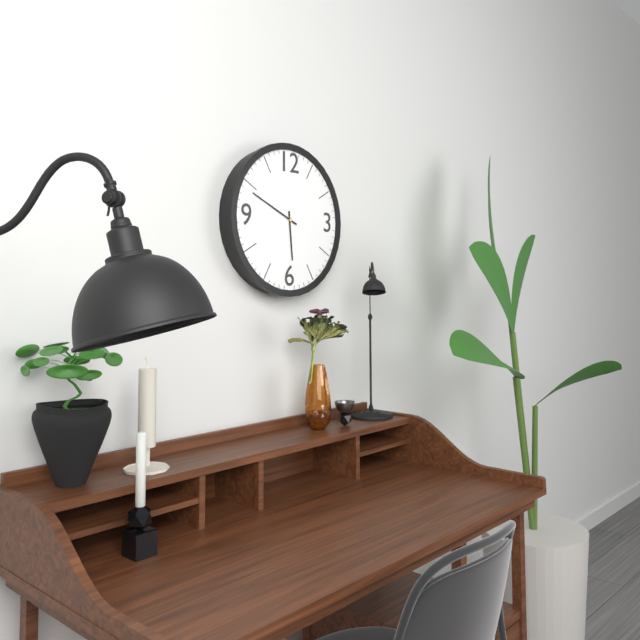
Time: h=5 m=49
